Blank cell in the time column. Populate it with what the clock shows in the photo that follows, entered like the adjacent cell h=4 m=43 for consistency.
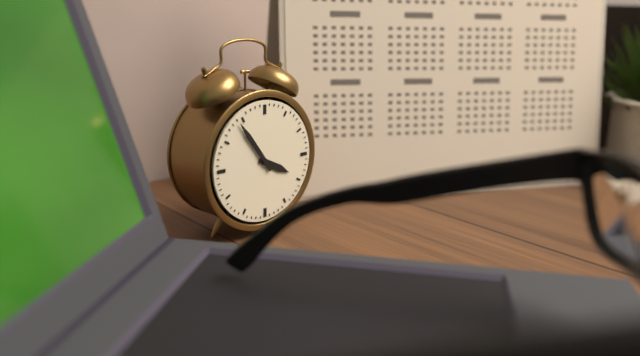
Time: h=3 m=54
